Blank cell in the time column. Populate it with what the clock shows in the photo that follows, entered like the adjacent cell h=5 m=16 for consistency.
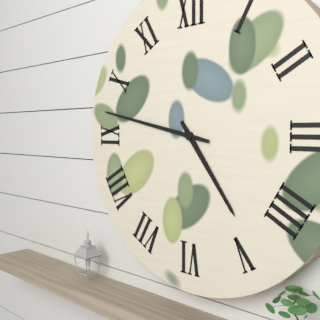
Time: h=4 m=47
